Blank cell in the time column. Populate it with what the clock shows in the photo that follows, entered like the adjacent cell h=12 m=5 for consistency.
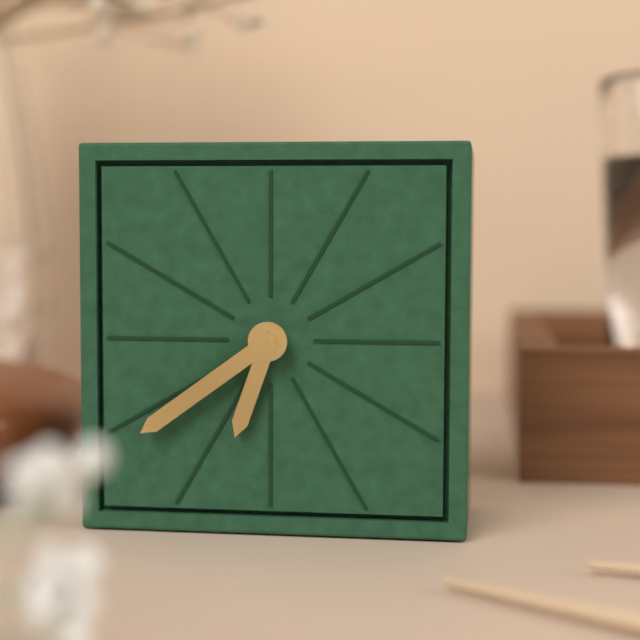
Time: h=6 m=39
